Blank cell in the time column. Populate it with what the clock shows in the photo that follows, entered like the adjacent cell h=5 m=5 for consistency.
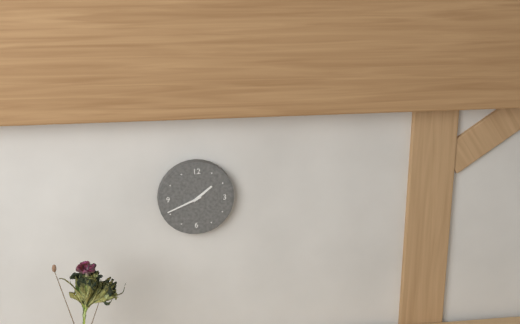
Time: h=1 m=41
